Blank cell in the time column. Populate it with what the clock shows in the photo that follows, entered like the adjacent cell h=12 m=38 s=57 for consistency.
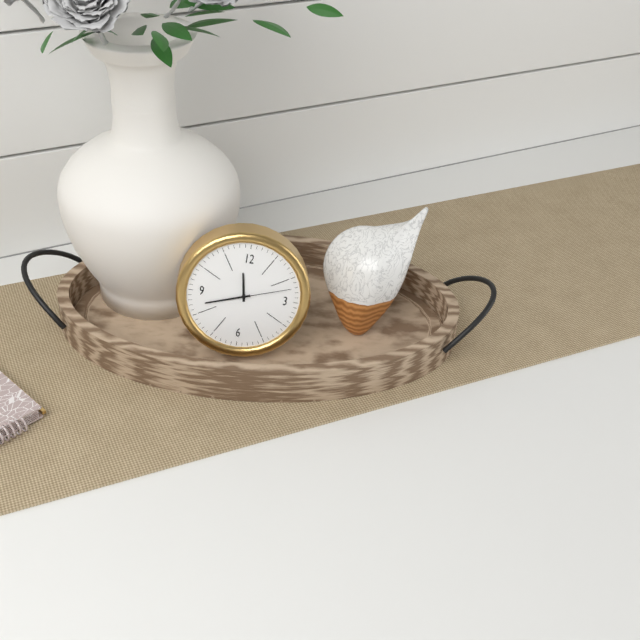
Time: h=11 m=42 s=12
